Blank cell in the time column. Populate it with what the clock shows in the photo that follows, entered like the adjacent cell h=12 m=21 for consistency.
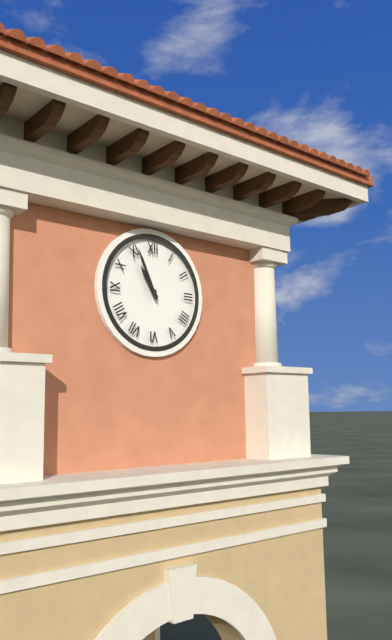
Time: h=10 m=56
